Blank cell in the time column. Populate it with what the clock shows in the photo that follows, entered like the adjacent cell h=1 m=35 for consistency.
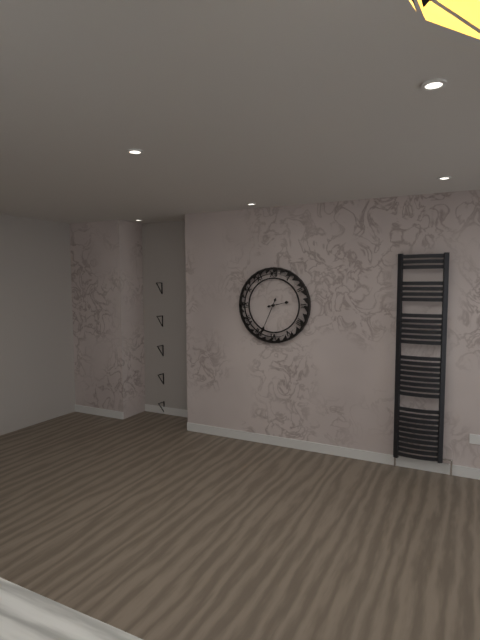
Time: h=2 m=34
